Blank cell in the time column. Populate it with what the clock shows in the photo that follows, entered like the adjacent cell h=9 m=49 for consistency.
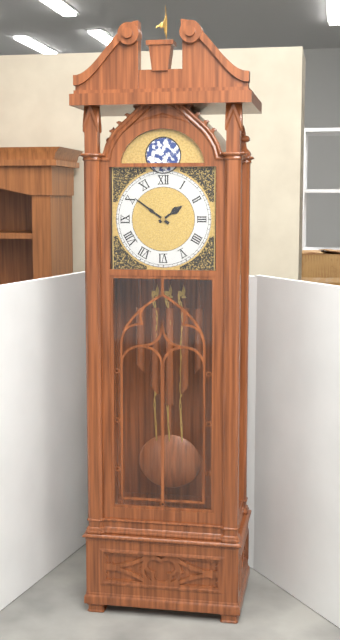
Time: h=1 m=51
